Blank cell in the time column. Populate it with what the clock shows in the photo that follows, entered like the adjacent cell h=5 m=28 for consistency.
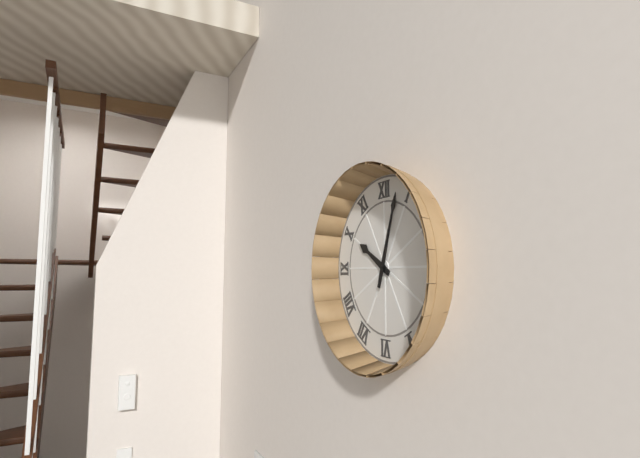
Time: h=10 m=3
